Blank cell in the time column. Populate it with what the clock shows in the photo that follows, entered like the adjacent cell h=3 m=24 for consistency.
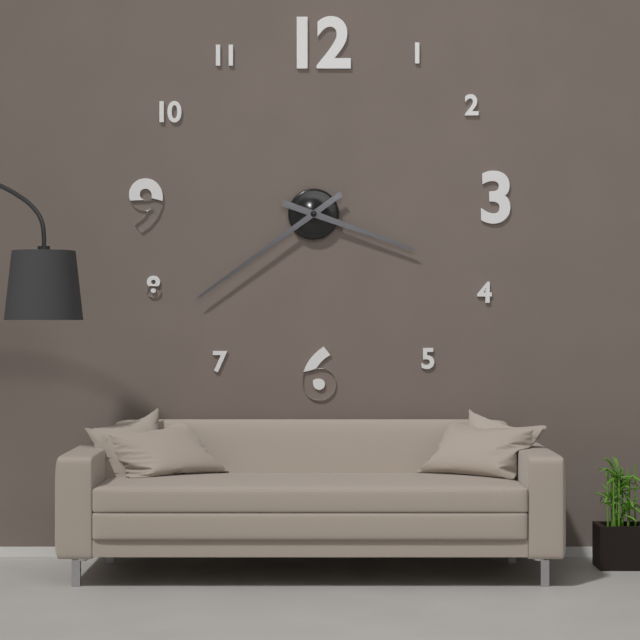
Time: h=3 m=39
